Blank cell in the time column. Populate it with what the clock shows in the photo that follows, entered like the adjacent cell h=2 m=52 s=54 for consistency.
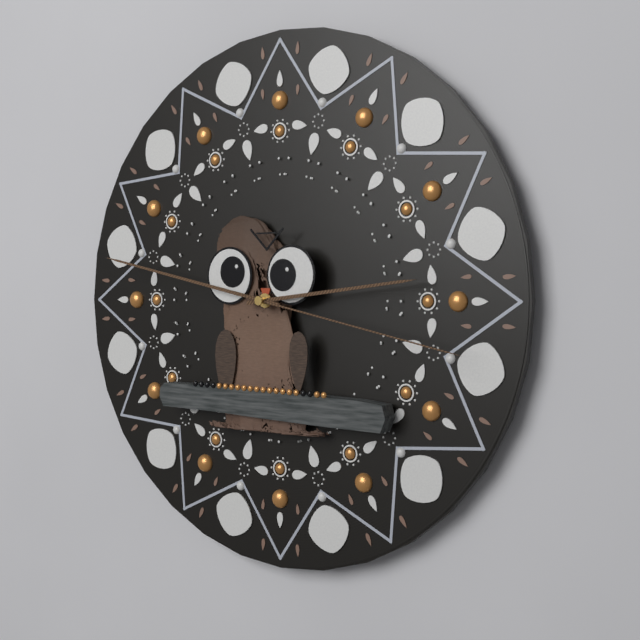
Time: h=2 m=47 s=17
